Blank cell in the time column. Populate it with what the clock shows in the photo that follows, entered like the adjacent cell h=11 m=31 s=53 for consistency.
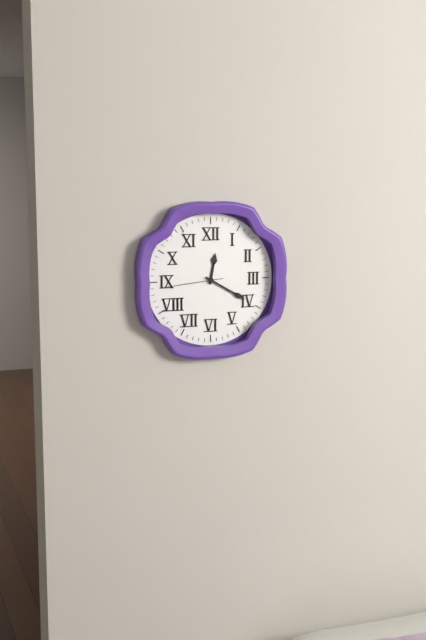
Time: h=12 m=20 s=44
